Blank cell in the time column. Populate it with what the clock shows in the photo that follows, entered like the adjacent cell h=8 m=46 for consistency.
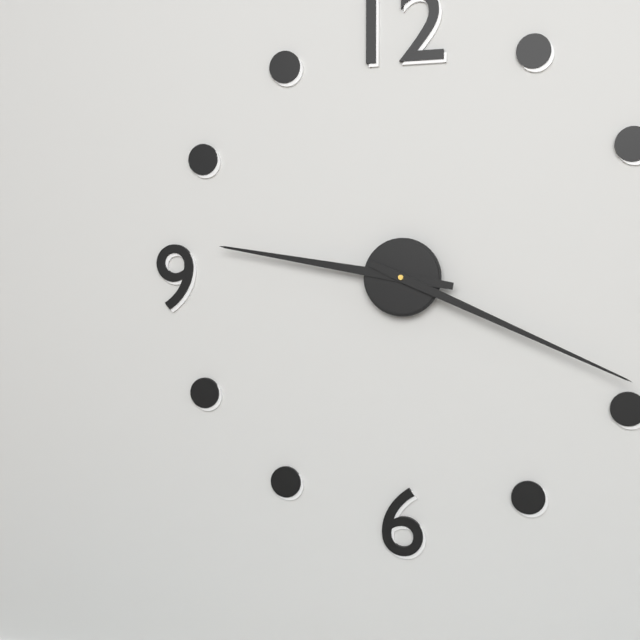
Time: h=9 m=19
